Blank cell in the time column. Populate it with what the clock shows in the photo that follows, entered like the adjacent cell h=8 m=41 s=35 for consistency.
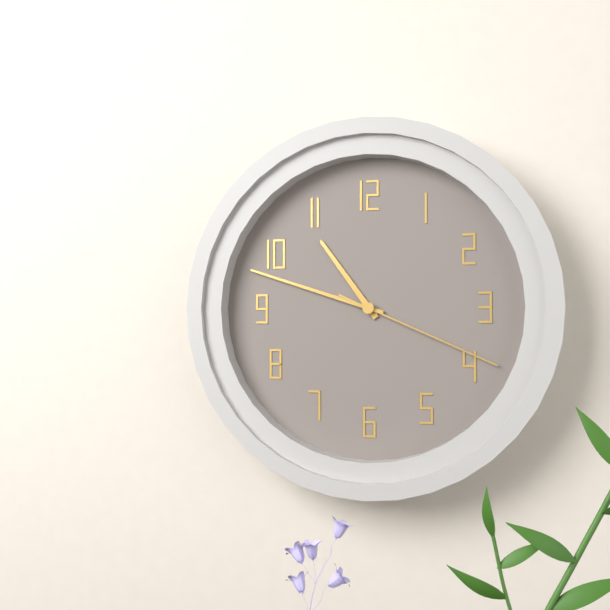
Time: h=10 m=48 s=19
